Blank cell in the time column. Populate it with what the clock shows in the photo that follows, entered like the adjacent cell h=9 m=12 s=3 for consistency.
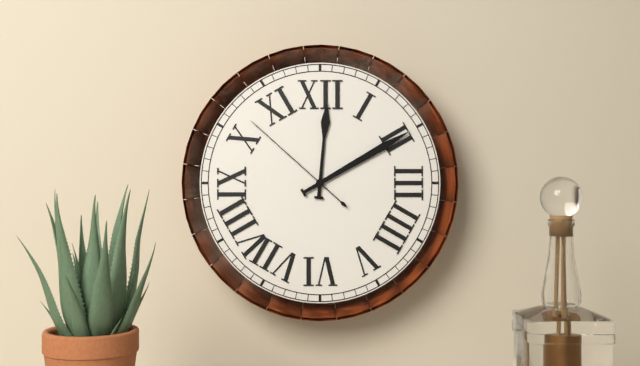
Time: h=12 m=10 s=52
